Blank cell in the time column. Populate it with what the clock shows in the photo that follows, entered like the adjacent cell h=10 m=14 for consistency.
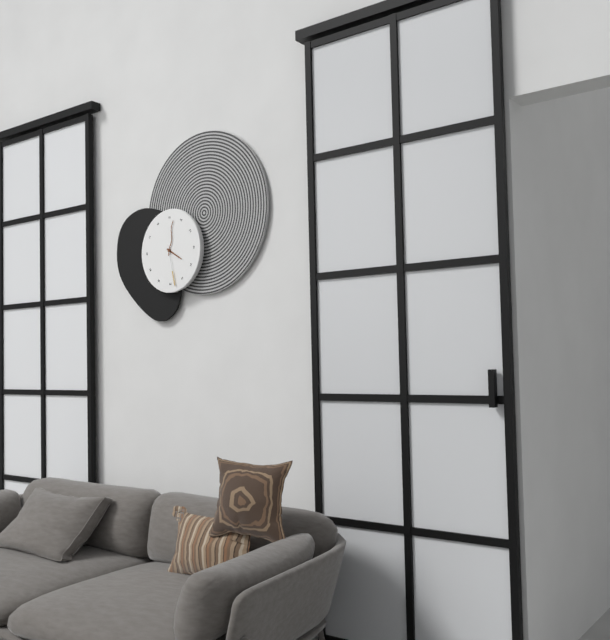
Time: h=4 m=2
